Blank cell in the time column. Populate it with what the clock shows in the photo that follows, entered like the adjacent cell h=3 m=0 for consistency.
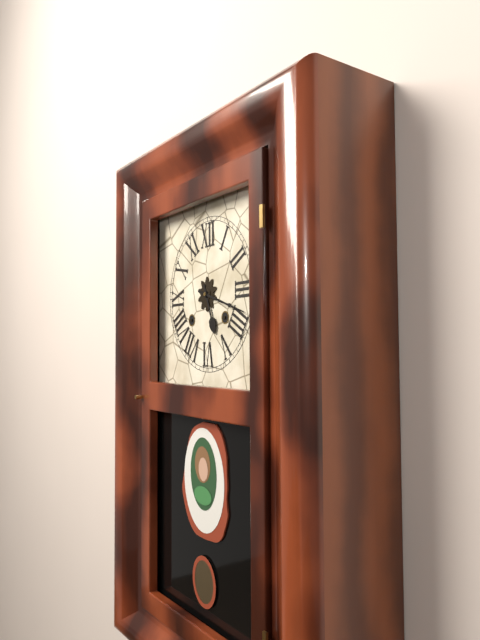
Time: h=5 m=18
